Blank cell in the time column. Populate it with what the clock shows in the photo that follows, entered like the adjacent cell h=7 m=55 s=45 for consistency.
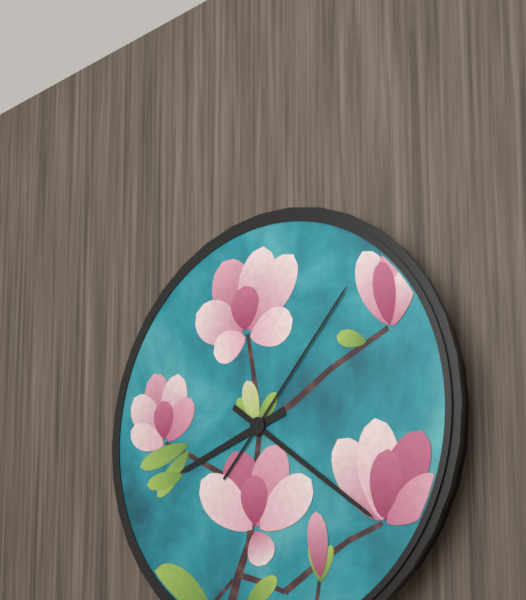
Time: h=8 m=21 s=7
